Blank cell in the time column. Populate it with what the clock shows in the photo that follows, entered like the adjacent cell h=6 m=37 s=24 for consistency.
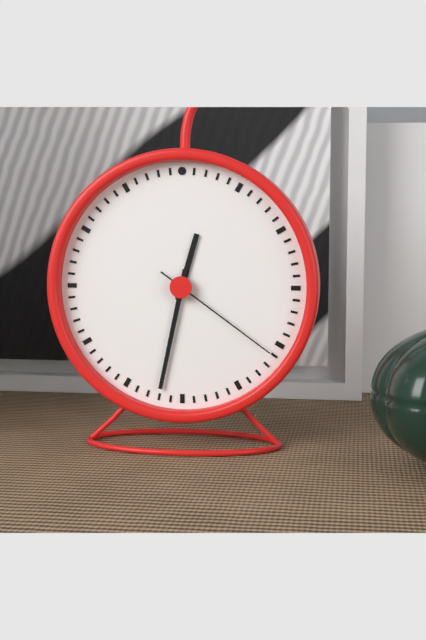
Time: h=12 m=32 s=21
